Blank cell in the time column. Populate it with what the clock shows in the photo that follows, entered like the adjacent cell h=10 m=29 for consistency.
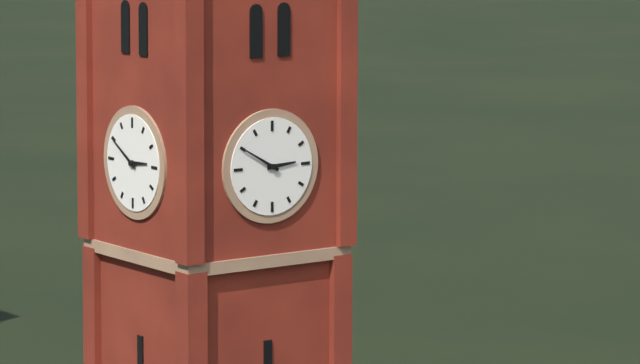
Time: h=2 m=50
